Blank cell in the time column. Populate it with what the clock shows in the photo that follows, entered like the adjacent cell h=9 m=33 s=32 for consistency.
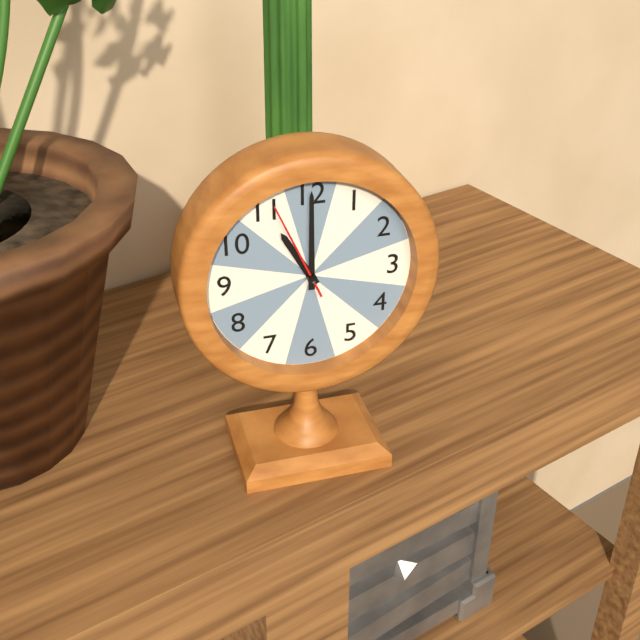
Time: h=11 m=0 s=56
